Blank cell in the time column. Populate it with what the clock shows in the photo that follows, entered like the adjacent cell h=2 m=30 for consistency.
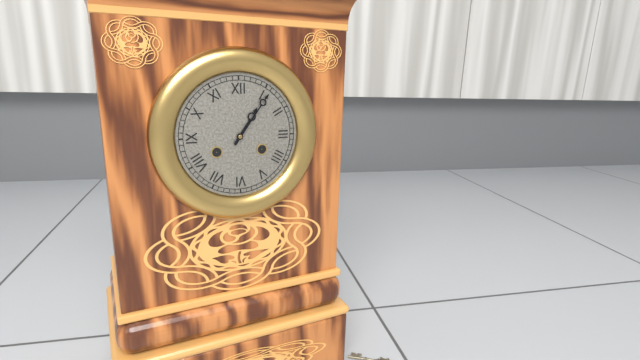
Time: h=1 m=6
